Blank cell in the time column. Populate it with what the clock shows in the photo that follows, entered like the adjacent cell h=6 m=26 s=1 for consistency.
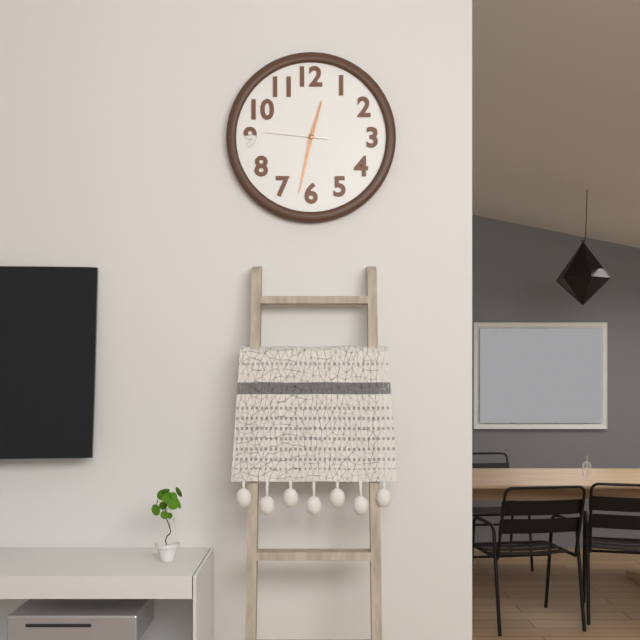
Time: h=12 m=32 s=46
